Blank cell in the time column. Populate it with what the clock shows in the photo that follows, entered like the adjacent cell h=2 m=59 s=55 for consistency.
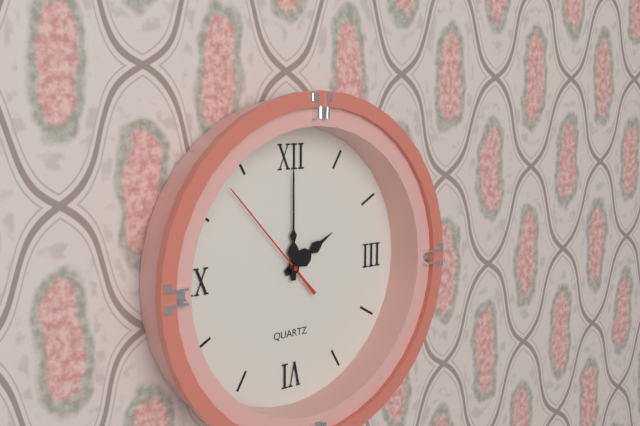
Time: h=2 m=0 s=53
